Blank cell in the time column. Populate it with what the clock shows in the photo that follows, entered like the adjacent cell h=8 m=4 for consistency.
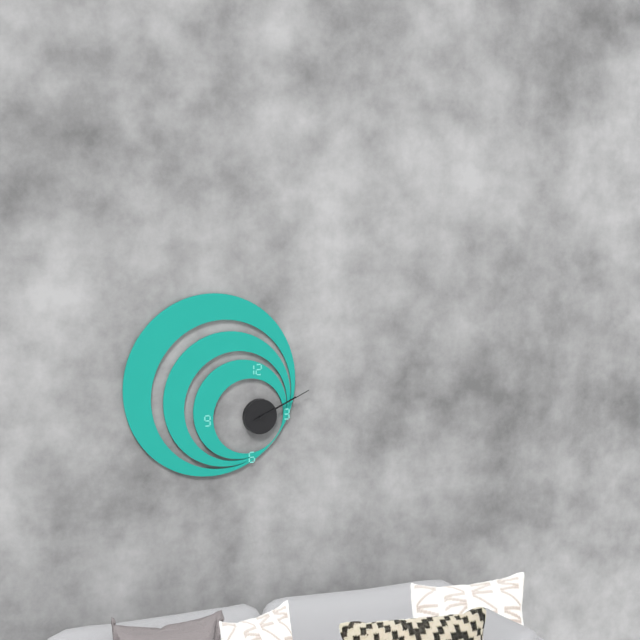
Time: h=2 m=11
